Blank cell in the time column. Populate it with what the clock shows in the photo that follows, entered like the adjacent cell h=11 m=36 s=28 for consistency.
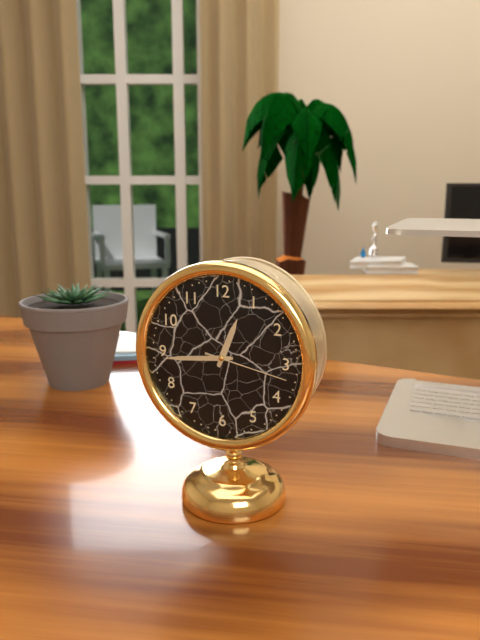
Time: h=12 m=44 s=17
